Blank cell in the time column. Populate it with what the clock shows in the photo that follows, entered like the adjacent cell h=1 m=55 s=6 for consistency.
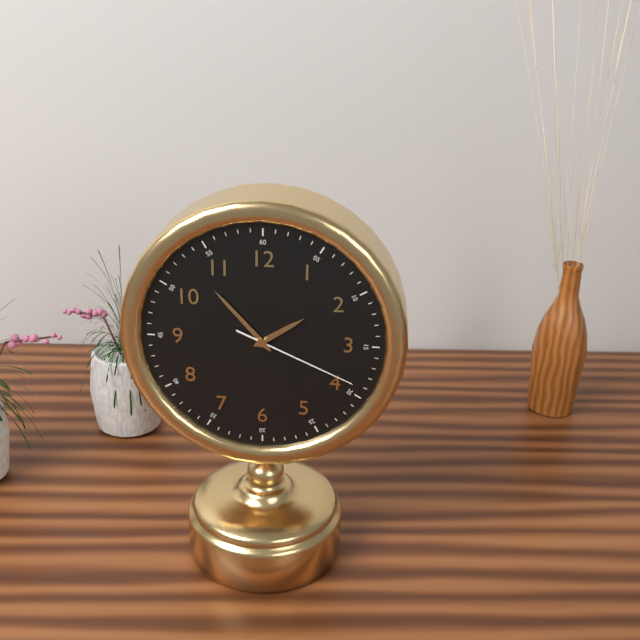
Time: h=1 m=53 s=19
